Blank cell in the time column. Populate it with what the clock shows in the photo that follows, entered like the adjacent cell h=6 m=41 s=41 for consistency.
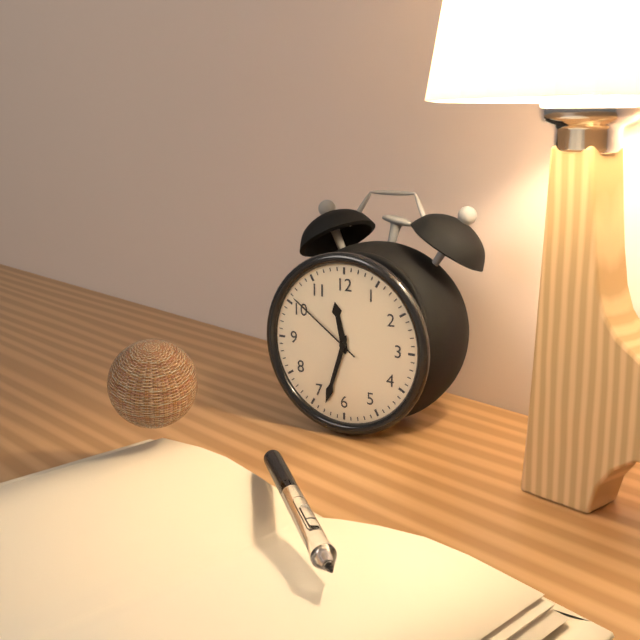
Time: h=11 m=33 s=51
